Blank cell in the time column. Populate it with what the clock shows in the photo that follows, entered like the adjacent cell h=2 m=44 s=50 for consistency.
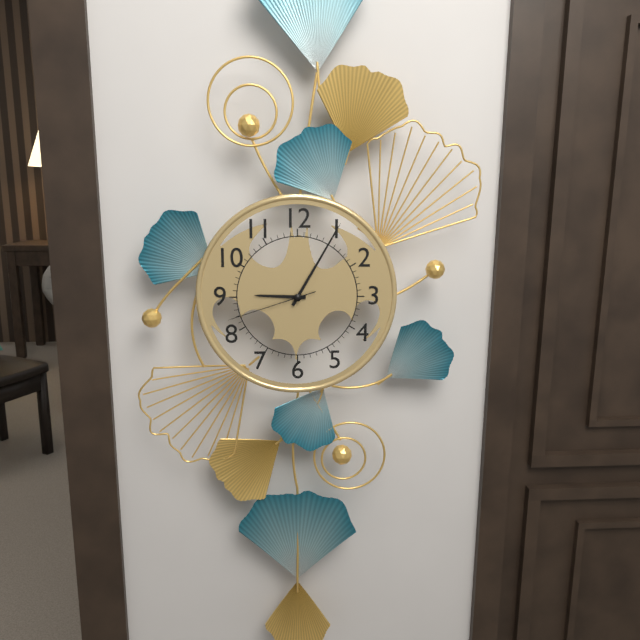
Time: h=9 m=5 s=42
